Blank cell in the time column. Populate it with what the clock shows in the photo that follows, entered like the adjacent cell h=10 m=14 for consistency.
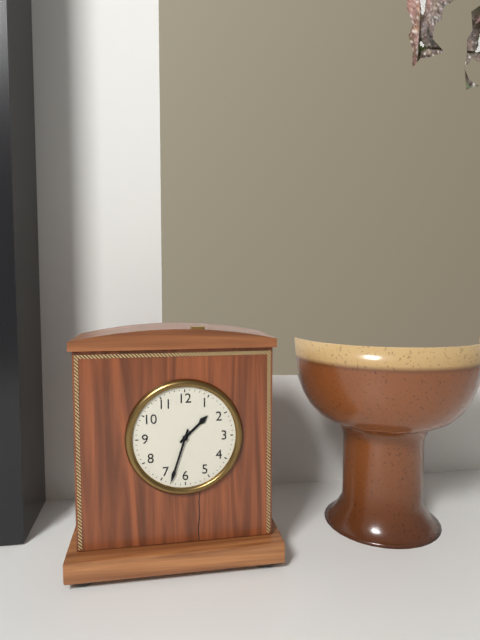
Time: h=1 m=33
